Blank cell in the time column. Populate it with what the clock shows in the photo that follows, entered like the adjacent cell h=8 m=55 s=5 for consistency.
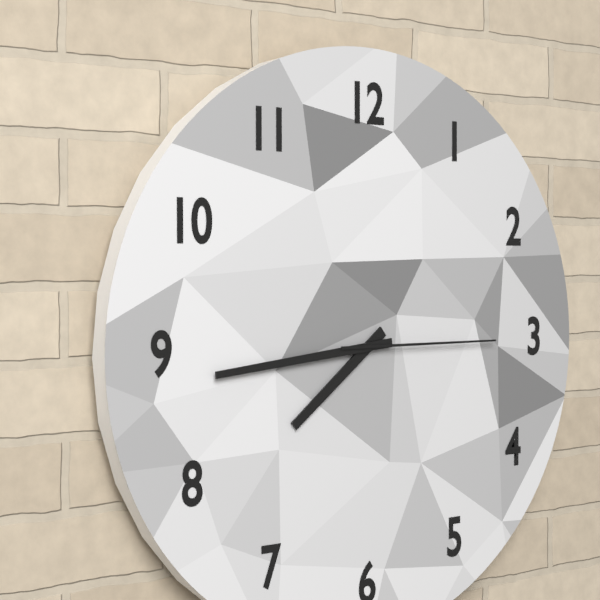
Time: h=7 m=44 s=15
